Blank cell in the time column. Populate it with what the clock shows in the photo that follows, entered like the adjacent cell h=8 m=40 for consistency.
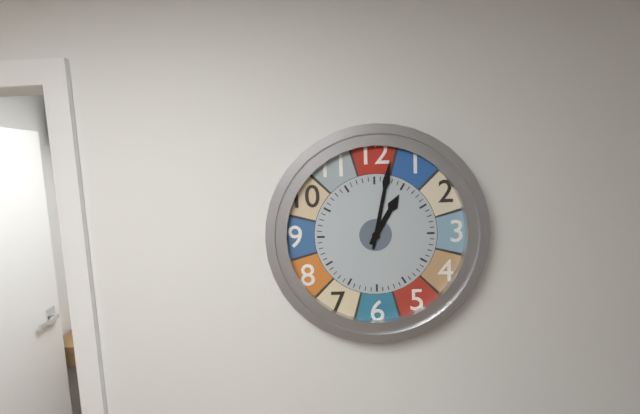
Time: h=1 m=2
